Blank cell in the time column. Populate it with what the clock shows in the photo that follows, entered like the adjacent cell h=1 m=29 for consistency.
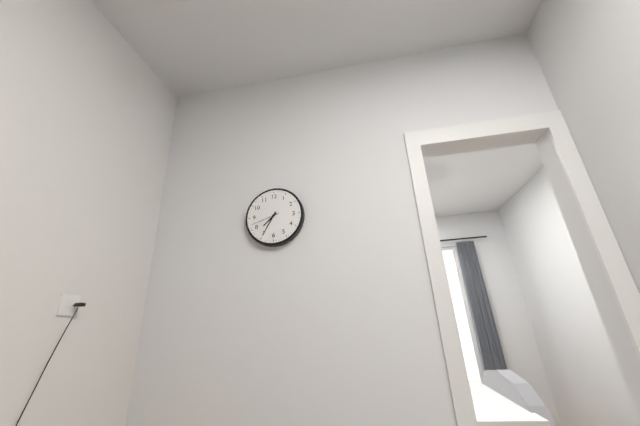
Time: h=7 m=35
